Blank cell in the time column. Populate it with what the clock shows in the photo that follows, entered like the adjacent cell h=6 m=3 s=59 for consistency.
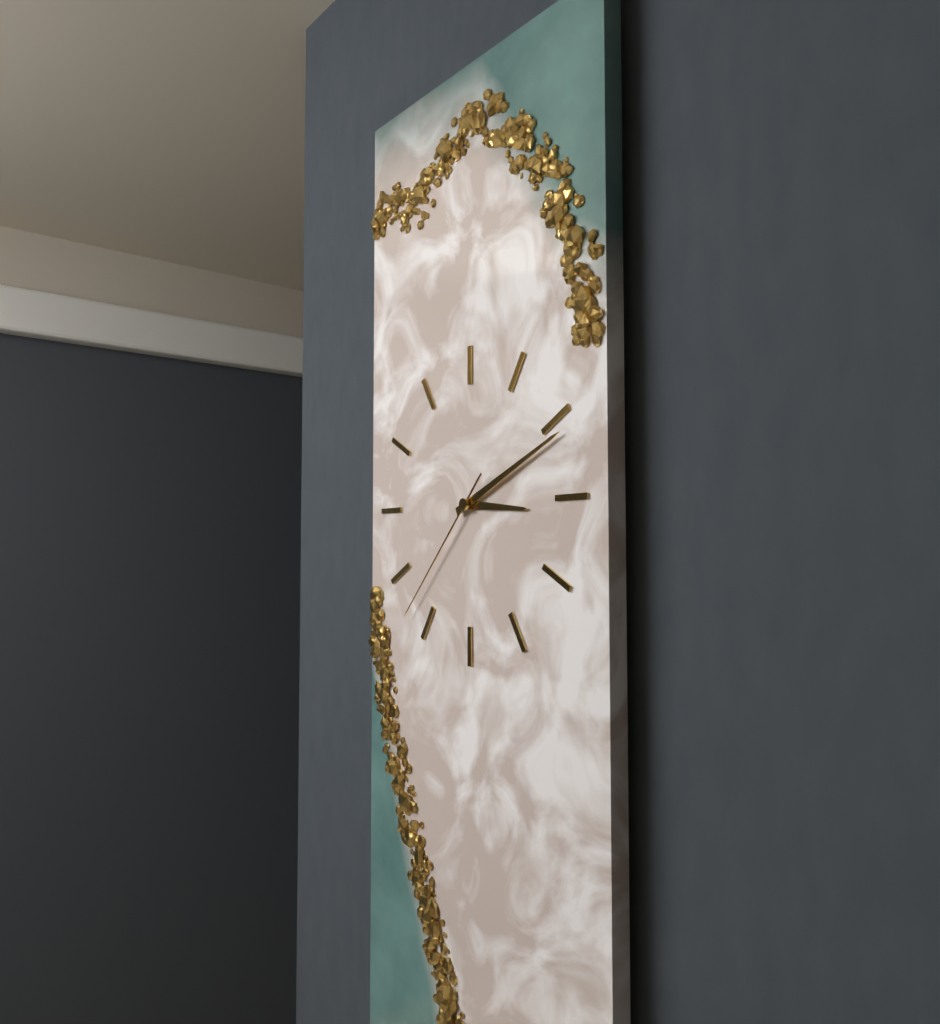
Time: h=3 m=11 s=37
